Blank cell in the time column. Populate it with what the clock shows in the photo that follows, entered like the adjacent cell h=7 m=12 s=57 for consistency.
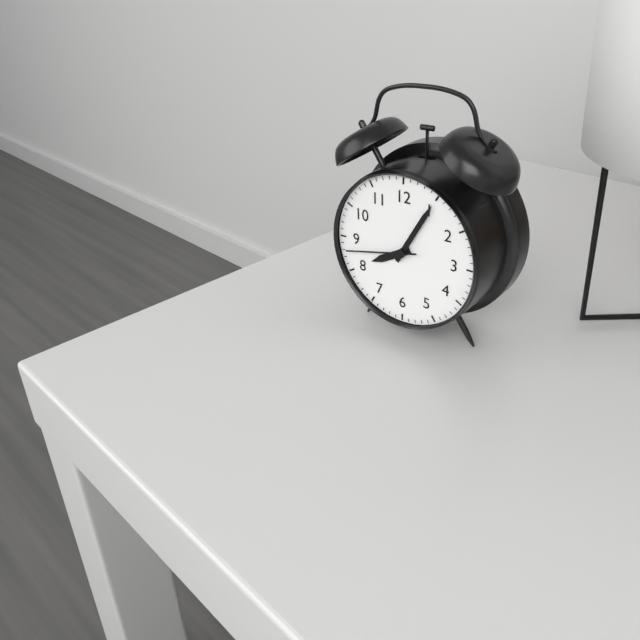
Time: h=8 m=5 s=43
